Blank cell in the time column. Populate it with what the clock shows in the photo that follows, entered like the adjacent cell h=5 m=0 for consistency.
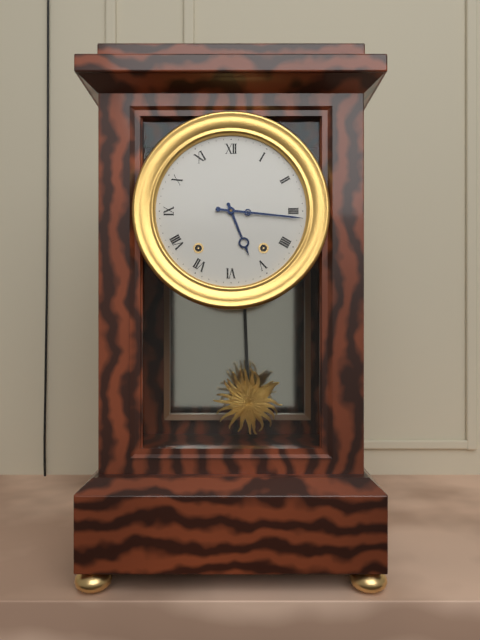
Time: h=5 m=16
